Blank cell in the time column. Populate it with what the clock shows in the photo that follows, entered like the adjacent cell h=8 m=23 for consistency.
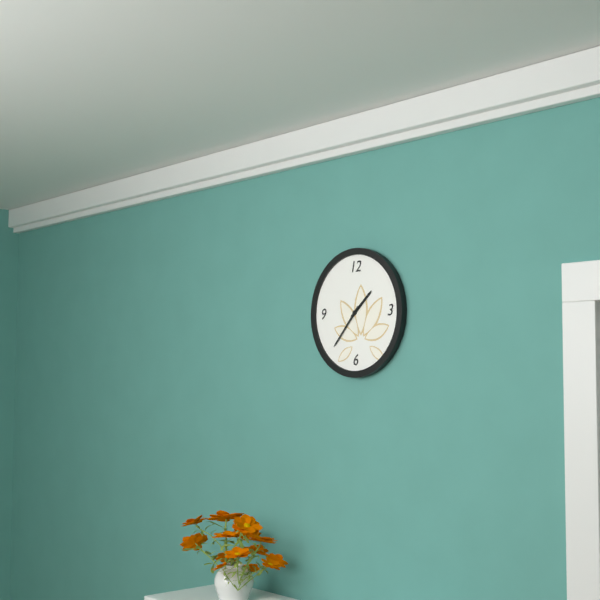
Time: h=1 m=37
